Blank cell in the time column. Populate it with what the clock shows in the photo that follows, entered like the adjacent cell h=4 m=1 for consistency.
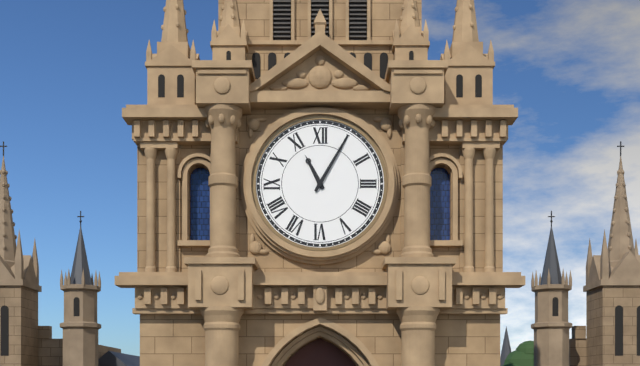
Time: h=11 m=5
